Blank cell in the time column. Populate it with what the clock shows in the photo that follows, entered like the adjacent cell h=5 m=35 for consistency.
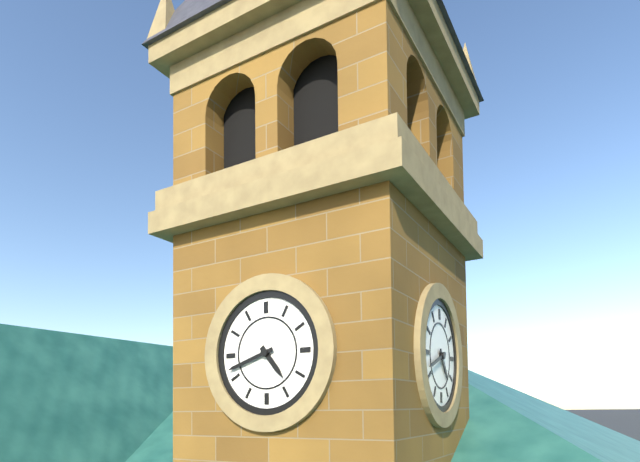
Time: h=4 m=42
